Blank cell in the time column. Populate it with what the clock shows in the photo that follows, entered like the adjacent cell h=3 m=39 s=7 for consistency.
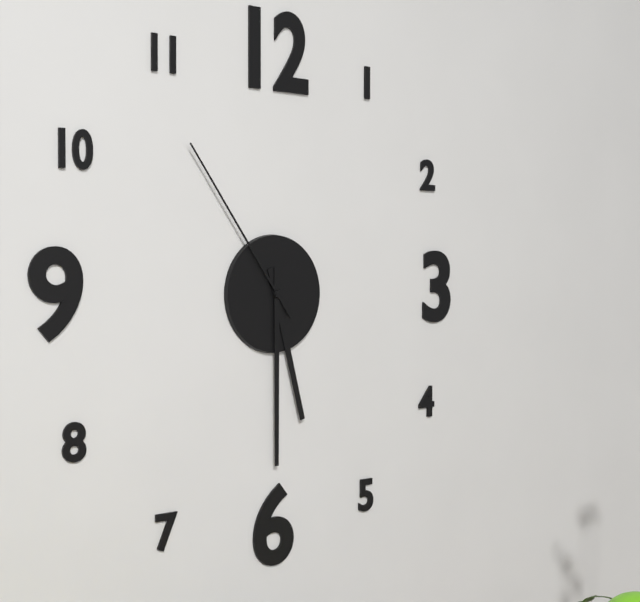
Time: h=5 m=30 s=54
